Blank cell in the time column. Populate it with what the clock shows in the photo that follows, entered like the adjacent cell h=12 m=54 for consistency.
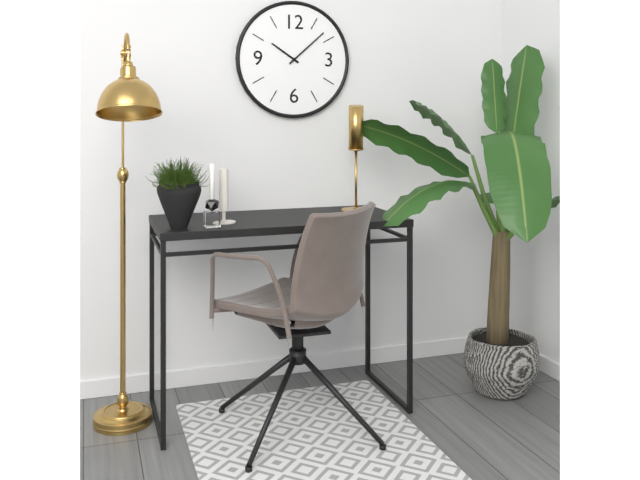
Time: h=10 m=8
